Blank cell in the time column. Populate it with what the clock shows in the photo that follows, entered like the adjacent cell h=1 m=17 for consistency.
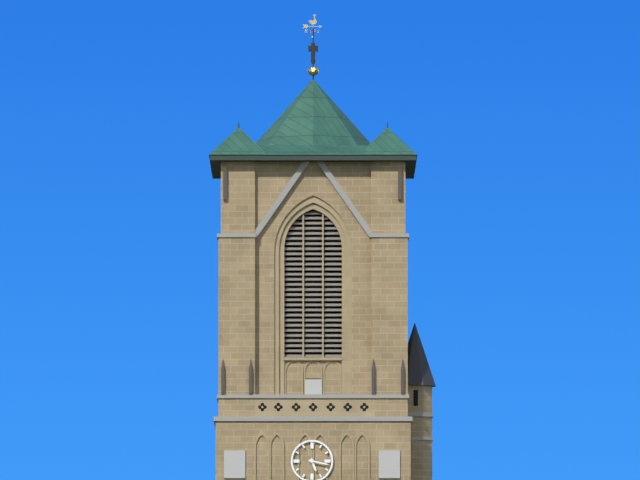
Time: h=5 m=17
